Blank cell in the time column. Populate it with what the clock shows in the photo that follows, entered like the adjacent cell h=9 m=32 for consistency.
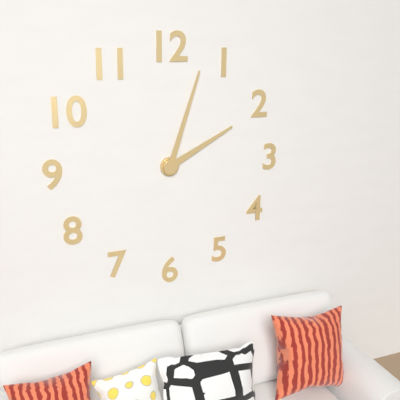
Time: h=2 m=3
